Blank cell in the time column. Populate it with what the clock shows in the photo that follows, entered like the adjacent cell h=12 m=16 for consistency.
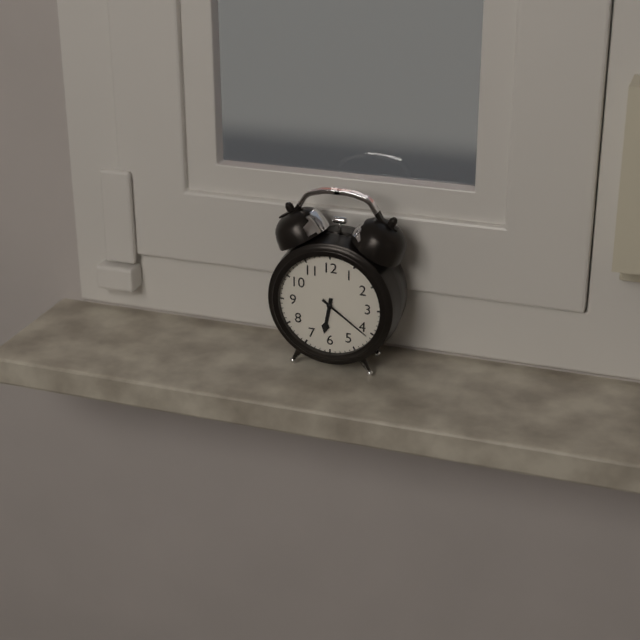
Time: h=6 m=21
